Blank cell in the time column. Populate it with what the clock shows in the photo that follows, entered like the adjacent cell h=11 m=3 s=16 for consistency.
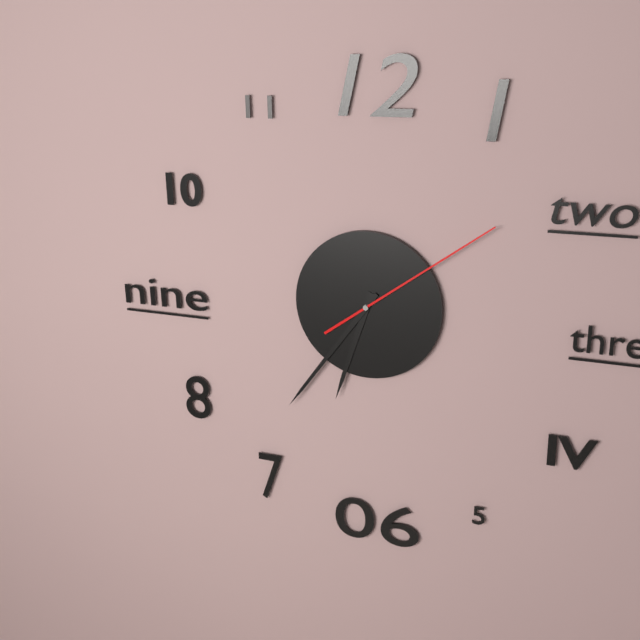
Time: h=6 m=36 s=9
